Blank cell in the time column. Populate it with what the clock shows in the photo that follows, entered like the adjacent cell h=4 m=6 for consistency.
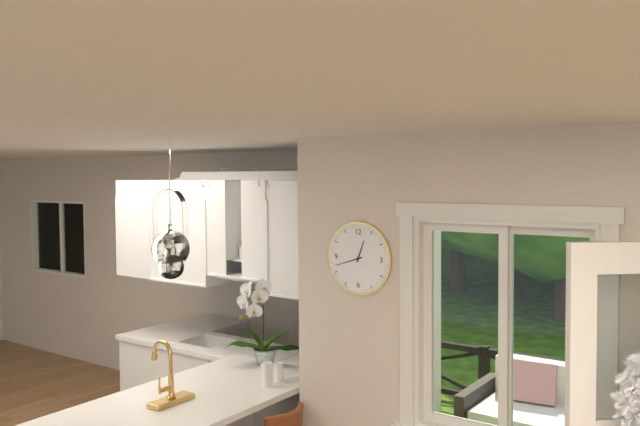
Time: h=12 m=42
